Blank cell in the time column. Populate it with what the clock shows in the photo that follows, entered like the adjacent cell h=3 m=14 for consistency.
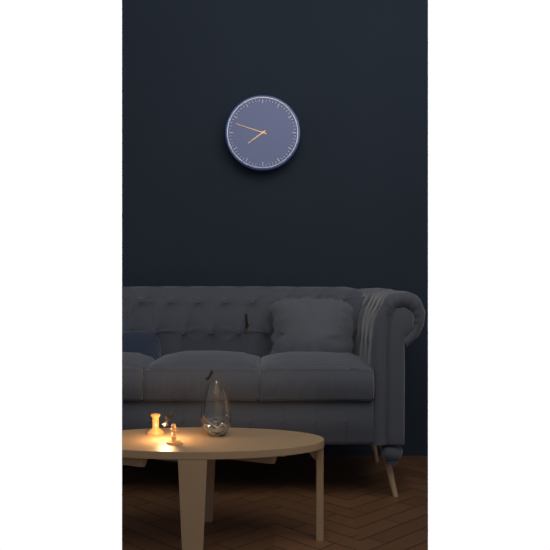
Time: h=7 m=48
